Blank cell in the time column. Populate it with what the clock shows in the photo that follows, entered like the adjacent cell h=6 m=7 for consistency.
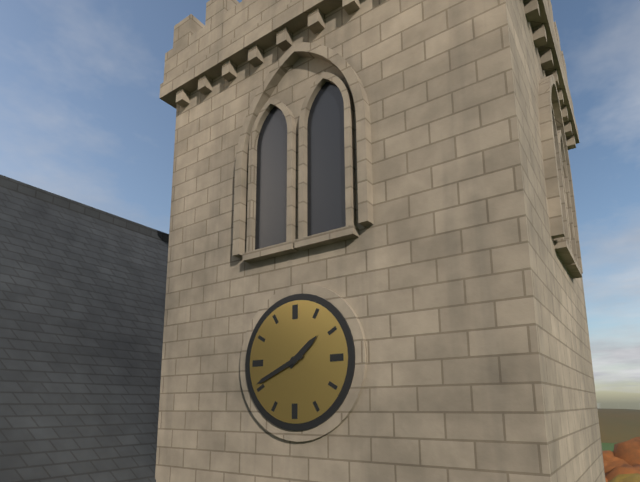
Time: h=1 m=41
